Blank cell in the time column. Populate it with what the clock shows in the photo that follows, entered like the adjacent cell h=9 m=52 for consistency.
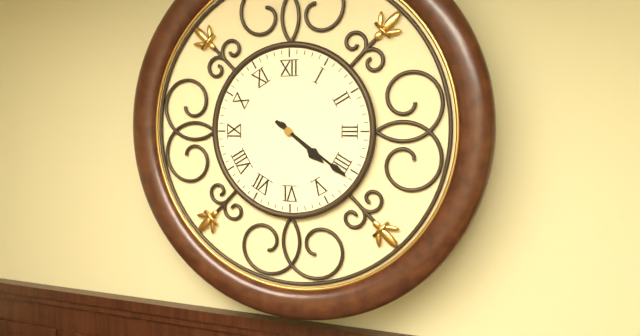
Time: h=4 m=21
